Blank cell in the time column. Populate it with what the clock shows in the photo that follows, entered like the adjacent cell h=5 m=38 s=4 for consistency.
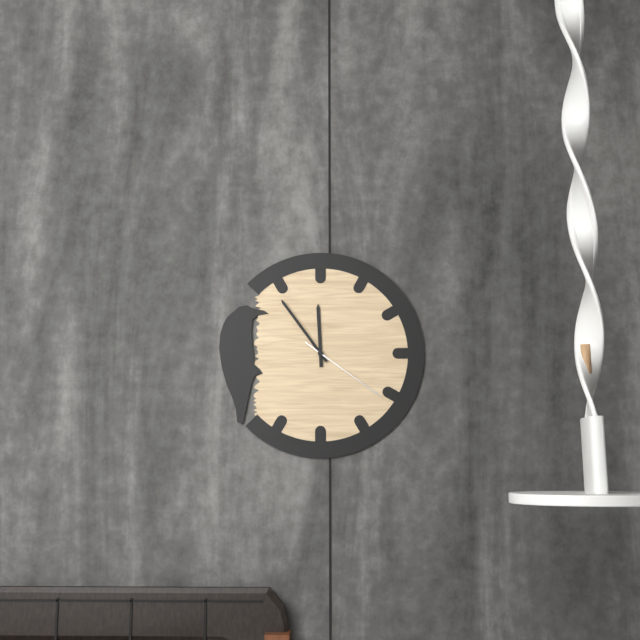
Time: h=11 m=54 s=21
